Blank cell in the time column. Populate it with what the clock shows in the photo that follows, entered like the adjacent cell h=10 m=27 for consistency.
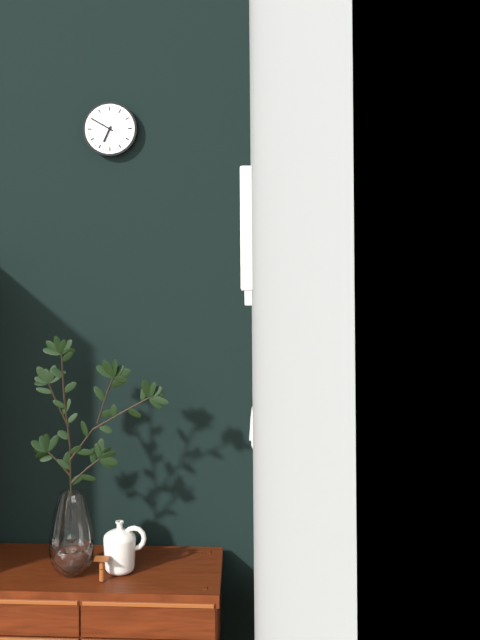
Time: h=6 m=50
